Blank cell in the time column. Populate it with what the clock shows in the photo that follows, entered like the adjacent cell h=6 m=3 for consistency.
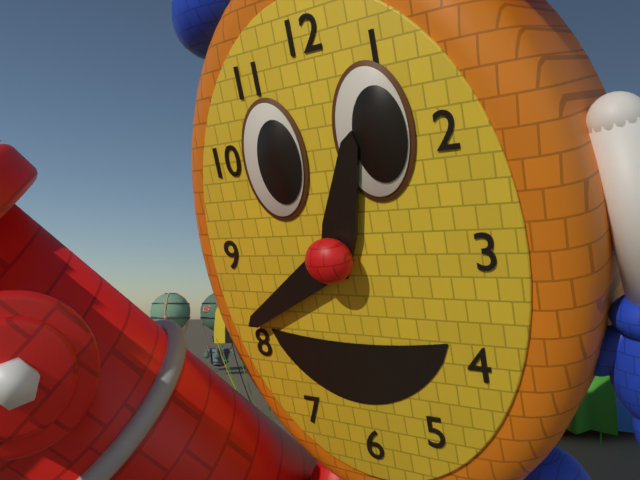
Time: h=12 m=40
